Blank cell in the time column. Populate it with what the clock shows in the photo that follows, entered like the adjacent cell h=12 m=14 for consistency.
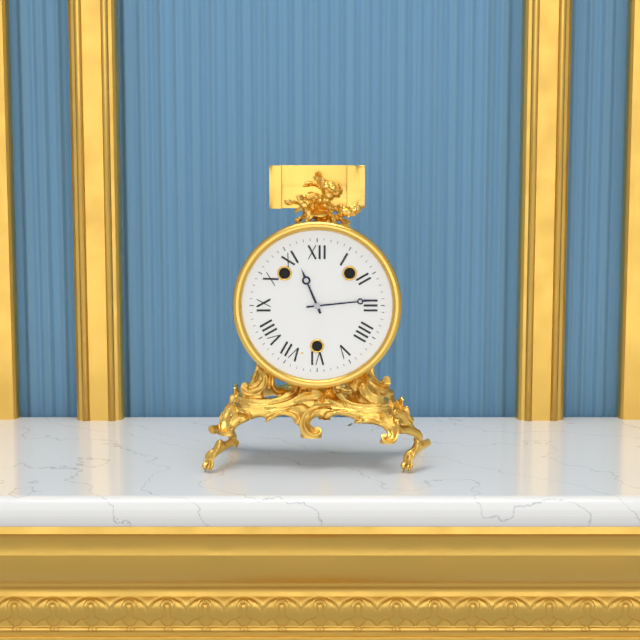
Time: h=11 m=14
